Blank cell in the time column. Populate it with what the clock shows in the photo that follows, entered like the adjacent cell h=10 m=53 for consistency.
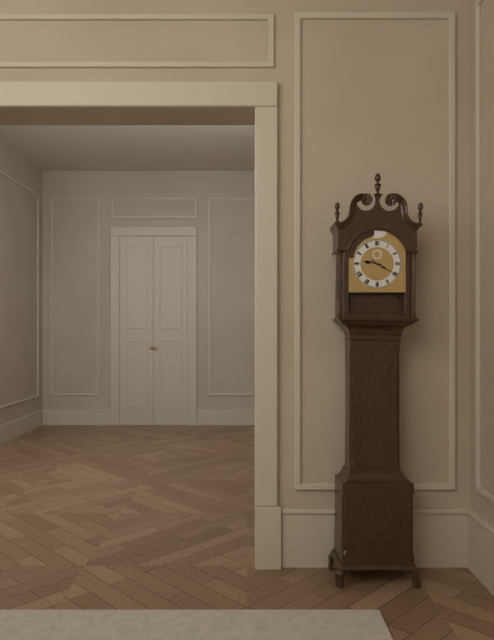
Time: h=9 m=20
